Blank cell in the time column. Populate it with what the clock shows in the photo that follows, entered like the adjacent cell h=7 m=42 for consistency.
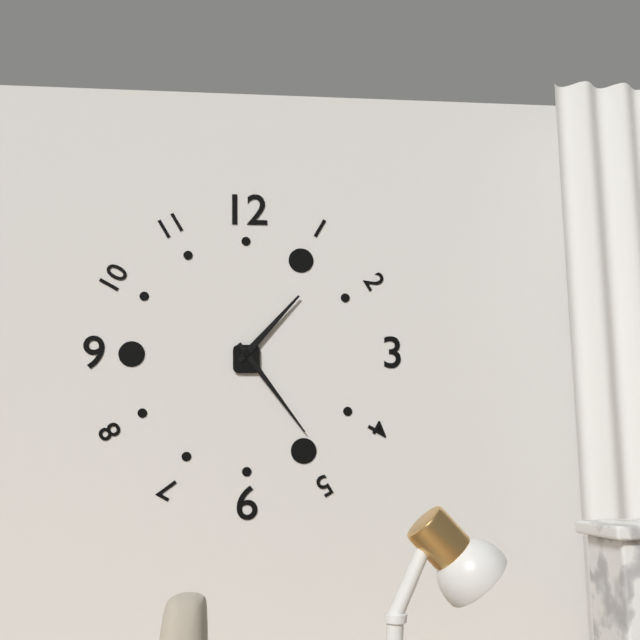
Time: h=1 m=24
